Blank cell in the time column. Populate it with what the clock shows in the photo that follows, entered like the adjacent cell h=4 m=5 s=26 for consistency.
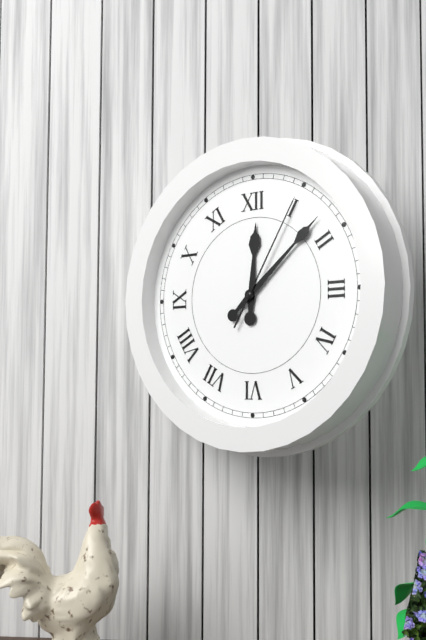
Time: h=12 m=8 s=5
